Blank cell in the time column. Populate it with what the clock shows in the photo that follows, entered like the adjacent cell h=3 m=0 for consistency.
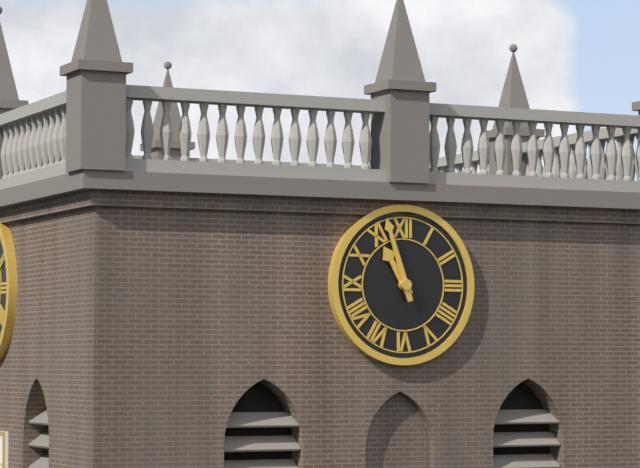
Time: h=10 m=57
